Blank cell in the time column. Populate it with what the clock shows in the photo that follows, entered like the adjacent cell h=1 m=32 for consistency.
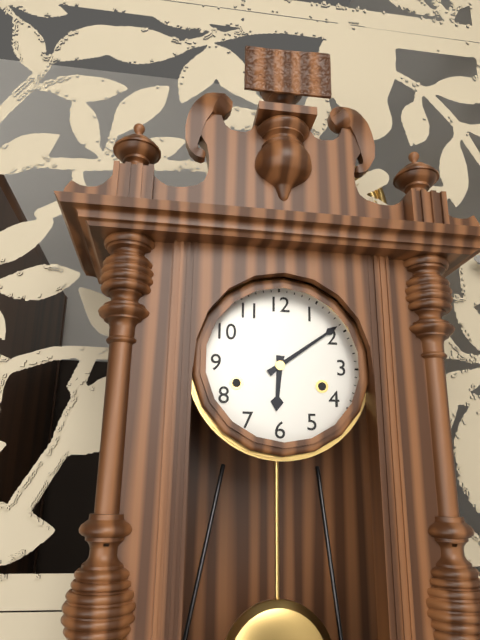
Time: h=6 m=9
